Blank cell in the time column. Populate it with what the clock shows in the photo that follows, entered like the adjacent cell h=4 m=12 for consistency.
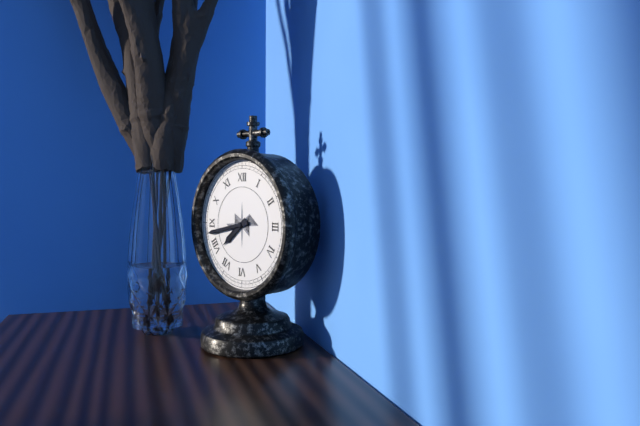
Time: h=7 m=43
